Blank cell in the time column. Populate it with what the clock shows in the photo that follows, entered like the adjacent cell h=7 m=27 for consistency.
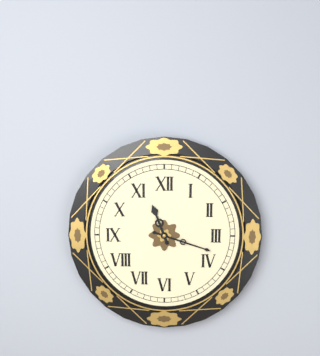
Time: h=11 m=18
